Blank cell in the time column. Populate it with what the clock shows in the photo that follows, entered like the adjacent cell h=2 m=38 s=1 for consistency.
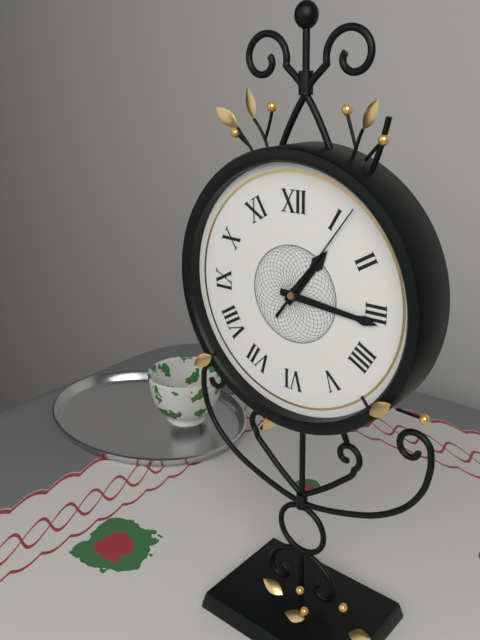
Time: h=1 m=16 s=6
